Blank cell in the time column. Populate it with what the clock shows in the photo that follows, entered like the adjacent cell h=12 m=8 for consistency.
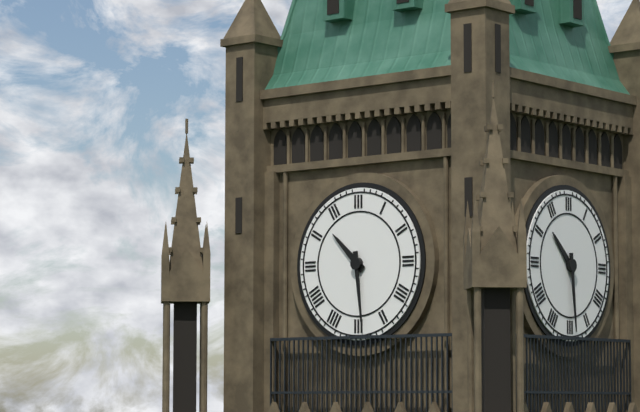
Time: h=10 m=29
